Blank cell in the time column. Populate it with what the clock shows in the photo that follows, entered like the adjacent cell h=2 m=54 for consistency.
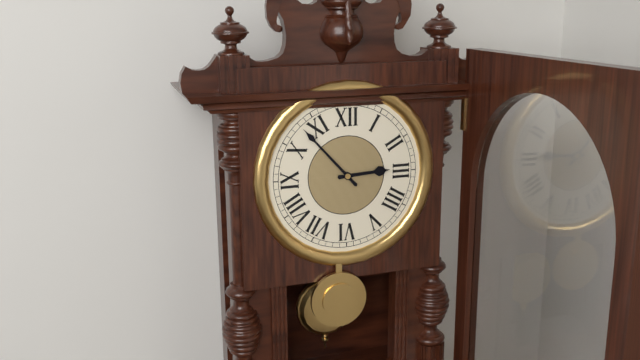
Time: h=2 m=53
